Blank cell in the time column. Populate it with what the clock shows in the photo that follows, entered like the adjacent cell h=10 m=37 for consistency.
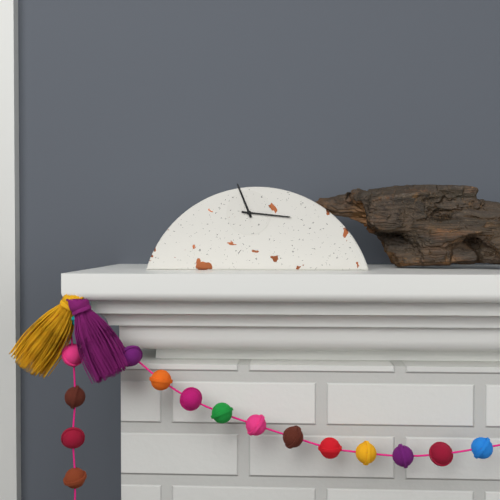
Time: h=11 m=16
